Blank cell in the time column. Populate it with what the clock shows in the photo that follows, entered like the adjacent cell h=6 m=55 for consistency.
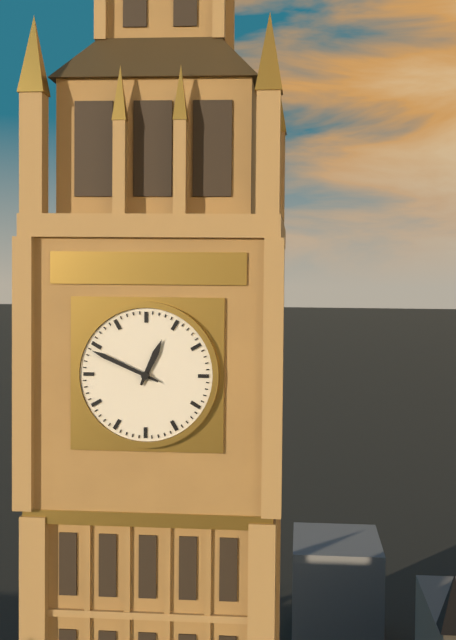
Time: h=12 m=49
